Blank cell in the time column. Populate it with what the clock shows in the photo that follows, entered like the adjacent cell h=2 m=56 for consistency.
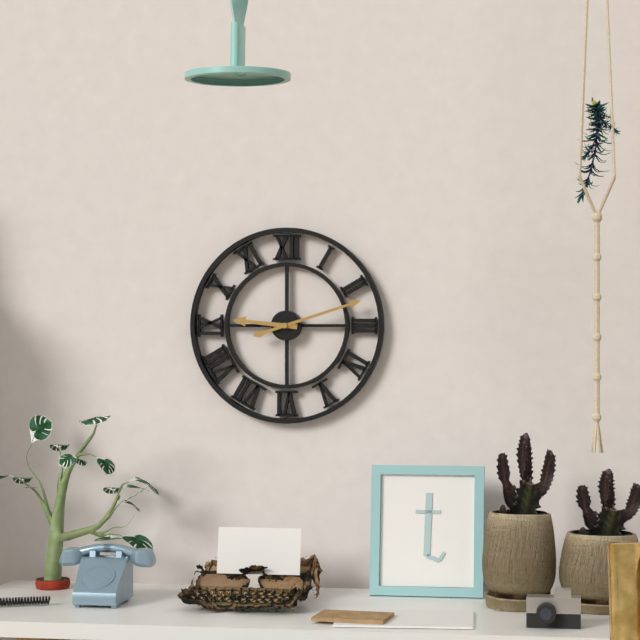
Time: h=9 m=12
